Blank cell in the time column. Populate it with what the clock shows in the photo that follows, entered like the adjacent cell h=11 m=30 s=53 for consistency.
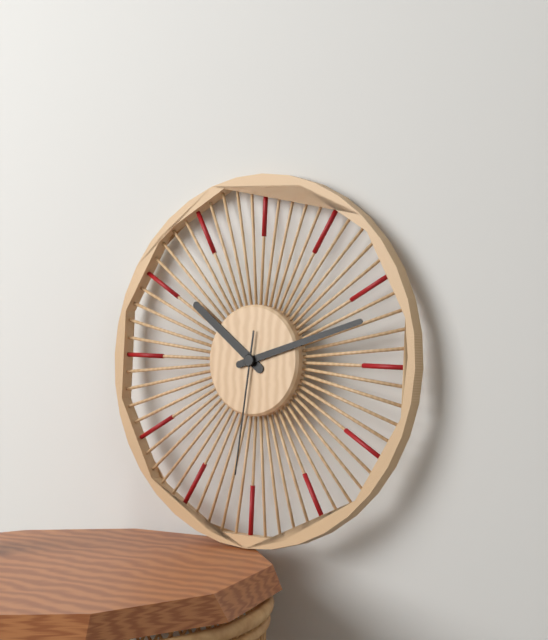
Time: h=10 m=12 s=31
